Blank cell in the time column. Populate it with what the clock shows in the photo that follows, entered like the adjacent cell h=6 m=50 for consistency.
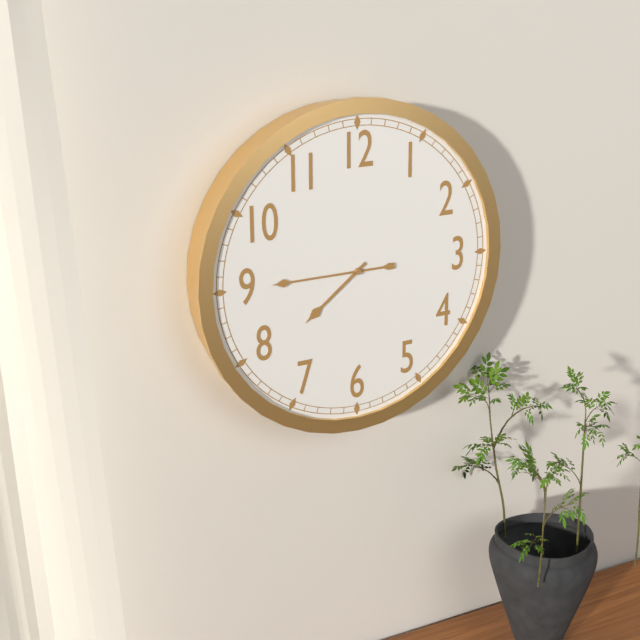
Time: h=7 m=45
